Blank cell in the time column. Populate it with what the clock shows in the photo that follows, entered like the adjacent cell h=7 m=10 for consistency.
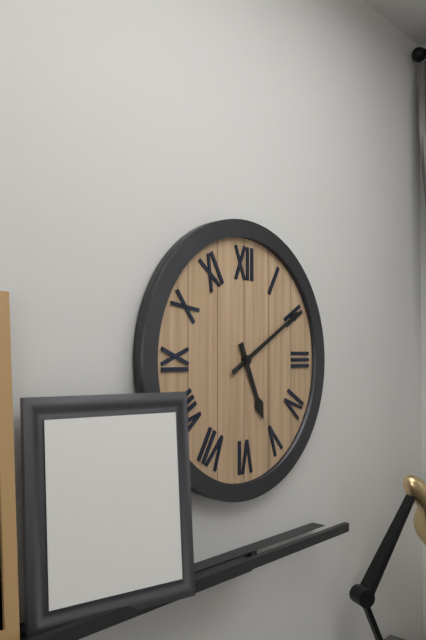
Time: h=5 m=10
